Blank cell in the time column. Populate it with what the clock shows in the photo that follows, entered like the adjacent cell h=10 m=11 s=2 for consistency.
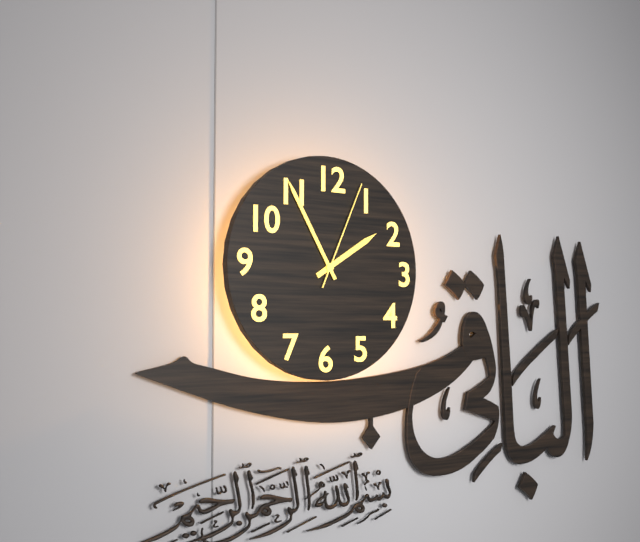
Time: h=1 m=55 s=4
